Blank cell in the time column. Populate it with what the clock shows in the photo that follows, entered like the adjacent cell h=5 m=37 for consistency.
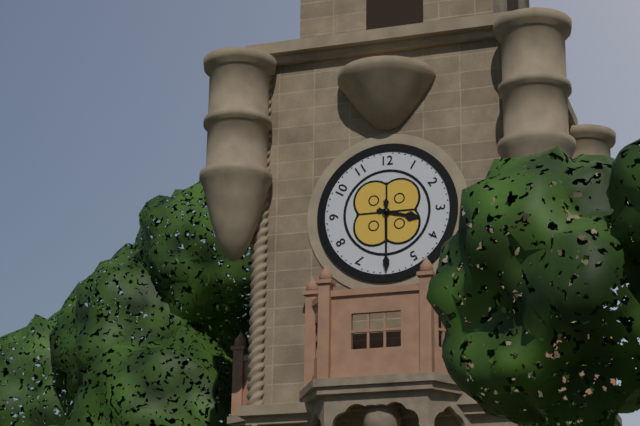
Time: h=3 m=30
